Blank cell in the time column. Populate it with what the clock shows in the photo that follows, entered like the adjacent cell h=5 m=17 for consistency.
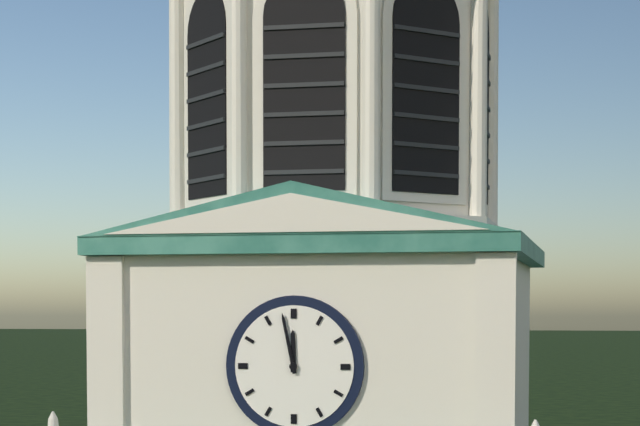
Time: h=11 m=58
